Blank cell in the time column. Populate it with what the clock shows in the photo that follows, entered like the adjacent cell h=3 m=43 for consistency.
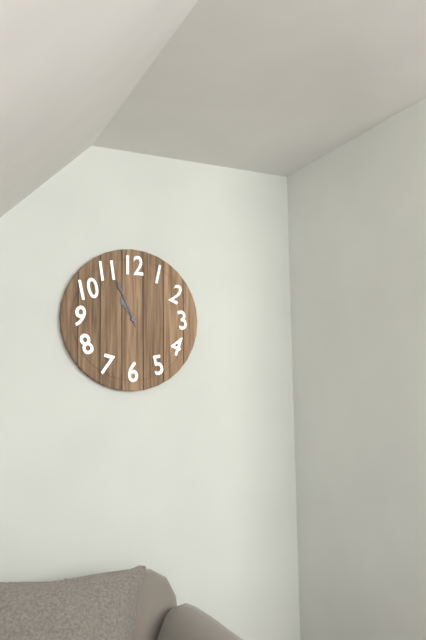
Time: h=10 m=56
